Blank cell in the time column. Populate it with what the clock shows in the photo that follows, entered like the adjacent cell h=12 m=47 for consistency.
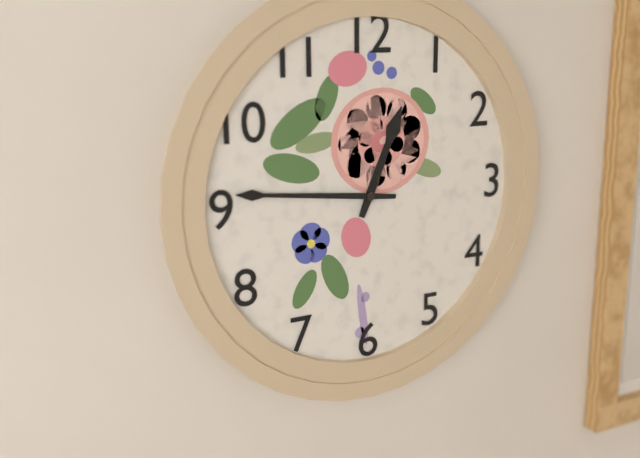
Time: h=12 m=46
